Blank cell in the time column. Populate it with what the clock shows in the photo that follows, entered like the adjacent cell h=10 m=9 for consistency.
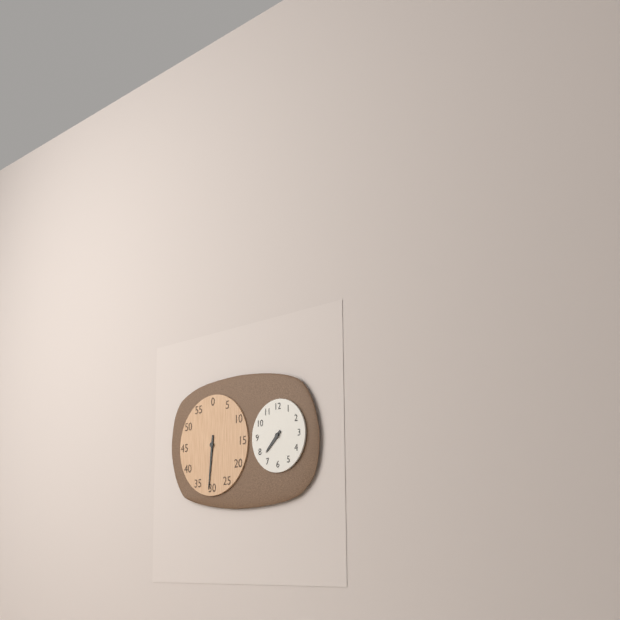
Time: h=7 m=31
